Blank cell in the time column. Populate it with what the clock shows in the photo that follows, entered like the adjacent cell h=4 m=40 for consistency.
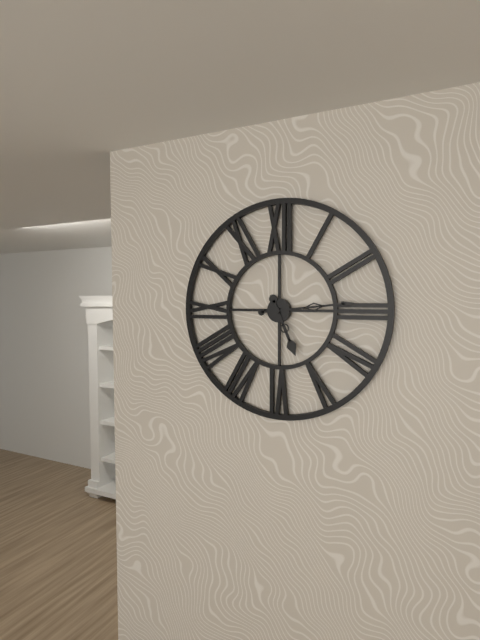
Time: h=5 m=14
